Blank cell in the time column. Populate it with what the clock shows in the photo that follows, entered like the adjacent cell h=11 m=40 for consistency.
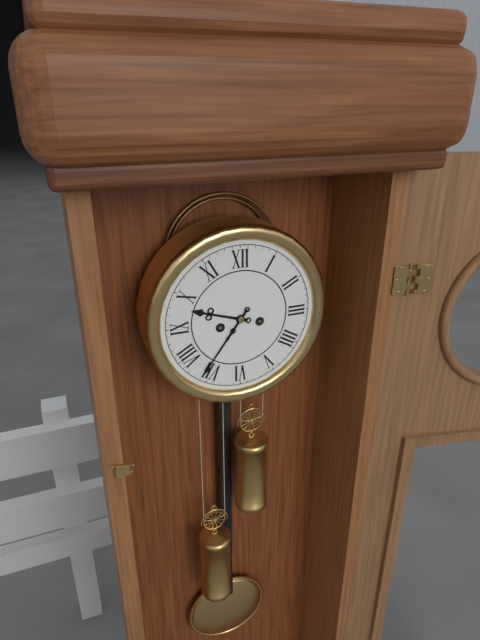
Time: h=9 m=36
